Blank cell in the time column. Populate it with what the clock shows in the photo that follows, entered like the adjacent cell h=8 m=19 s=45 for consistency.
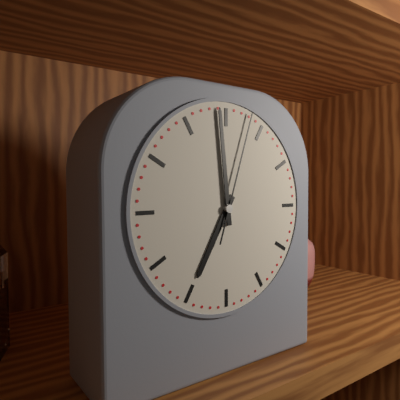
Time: h=6 m=59 s=3
